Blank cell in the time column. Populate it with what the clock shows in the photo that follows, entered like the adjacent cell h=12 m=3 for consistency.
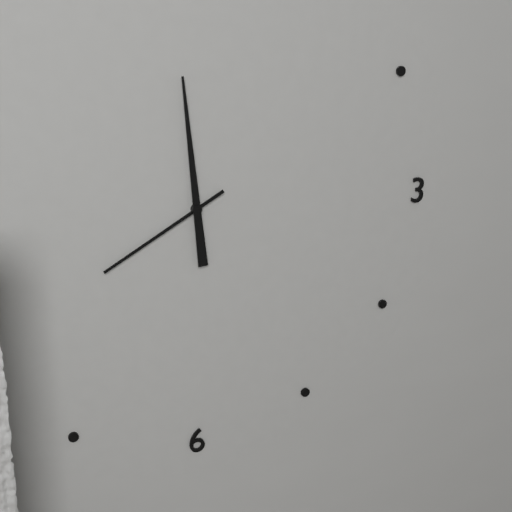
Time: h=7 m=59
